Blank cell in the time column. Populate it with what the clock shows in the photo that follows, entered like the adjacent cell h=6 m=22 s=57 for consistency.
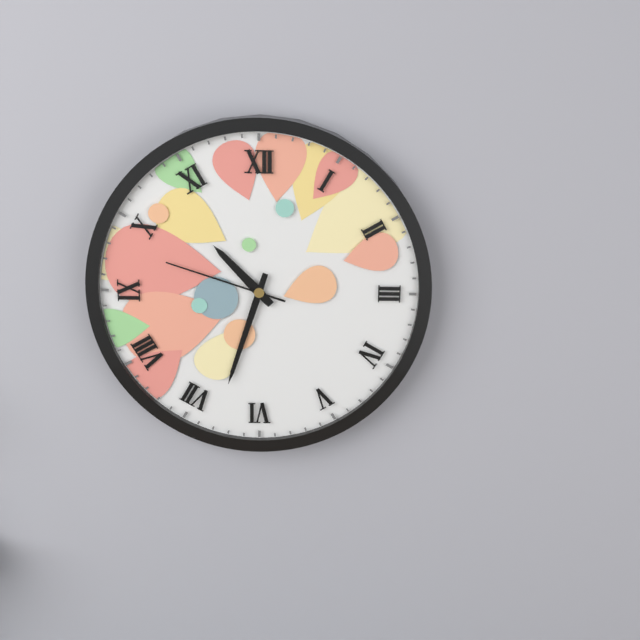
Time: h=10 m=33 s=48
